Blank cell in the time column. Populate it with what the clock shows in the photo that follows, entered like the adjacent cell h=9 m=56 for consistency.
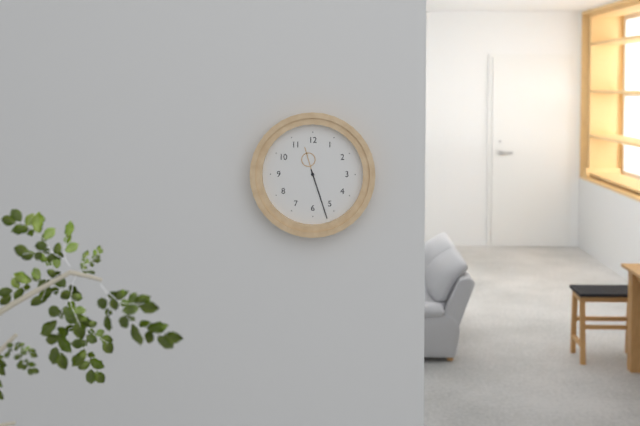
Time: h=11 m=27
